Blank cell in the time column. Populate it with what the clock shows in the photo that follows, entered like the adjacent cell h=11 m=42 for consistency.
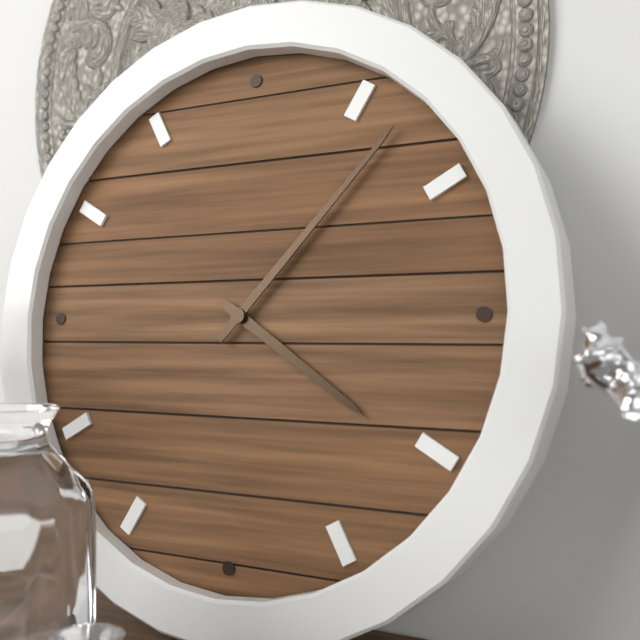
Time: h=4 m=7
